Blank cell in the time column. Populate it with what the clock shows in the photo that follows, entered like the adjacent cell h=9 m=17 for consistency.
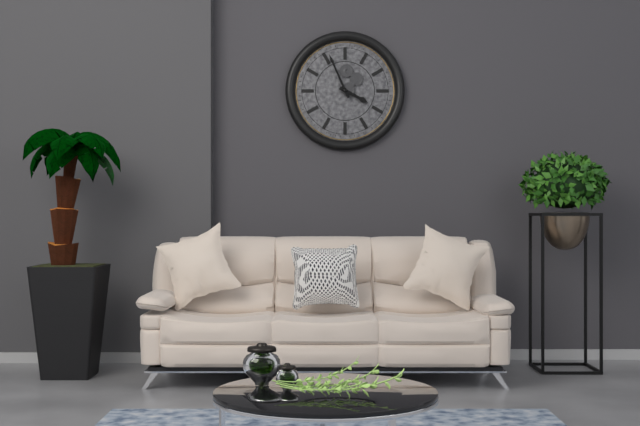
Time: h=3 m=56
